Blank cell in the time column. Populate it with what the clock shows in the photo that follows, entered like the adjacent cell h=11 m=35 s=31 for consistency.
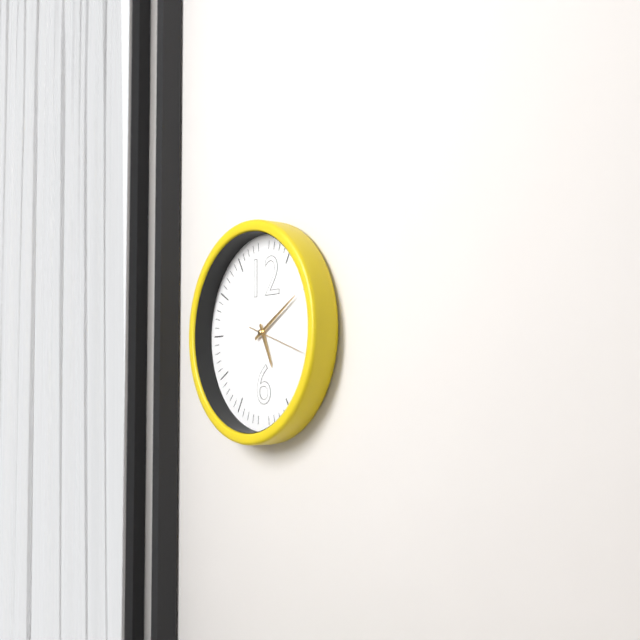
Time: h=5 m=10 s=18
